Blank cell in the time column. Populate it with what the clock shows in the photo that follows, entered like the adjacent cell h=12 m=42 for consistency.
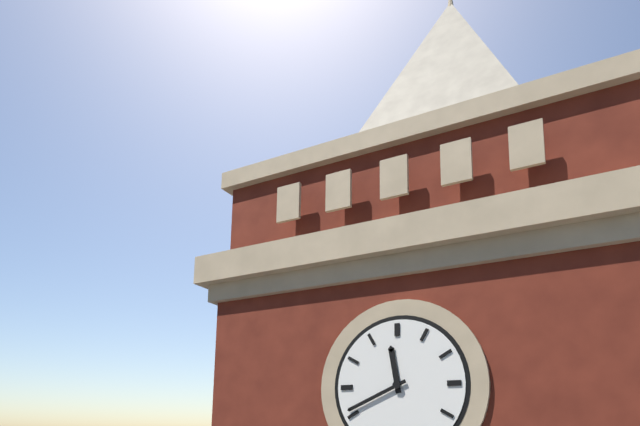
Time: h=11 m=41
